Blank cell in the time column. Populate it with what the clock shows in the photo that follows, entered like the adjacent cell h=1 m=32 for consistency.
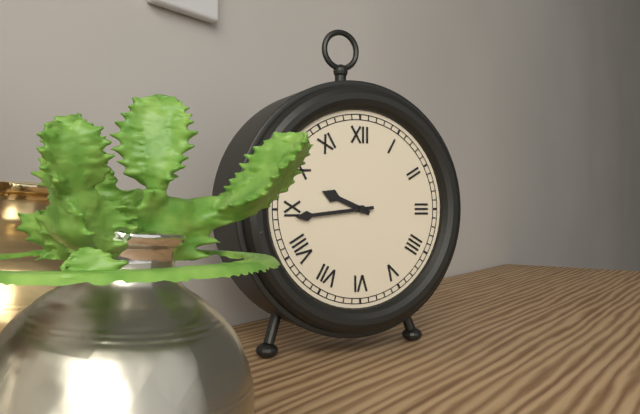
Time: h=9 m=44
